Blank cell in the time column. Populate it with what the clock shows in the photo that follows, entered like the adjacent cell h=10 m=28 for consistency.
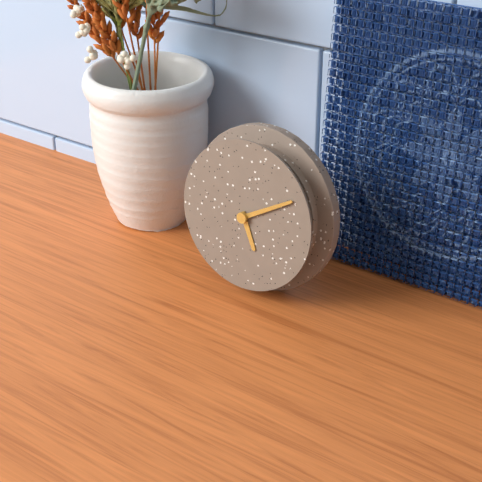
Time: h=5 m=10
